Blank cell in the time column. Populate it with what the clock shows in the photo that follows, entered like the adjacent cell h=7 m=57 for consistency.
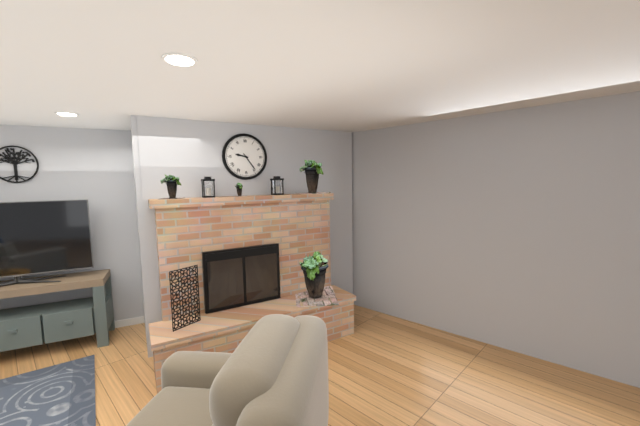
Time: h=9 m=24
